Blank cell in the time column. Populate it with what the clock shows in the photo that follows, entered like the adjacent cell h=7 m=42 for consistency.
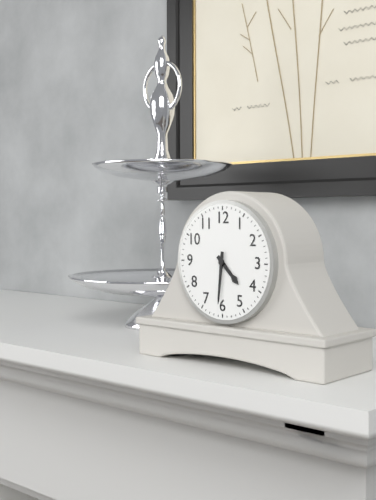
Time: h=4 m=31
